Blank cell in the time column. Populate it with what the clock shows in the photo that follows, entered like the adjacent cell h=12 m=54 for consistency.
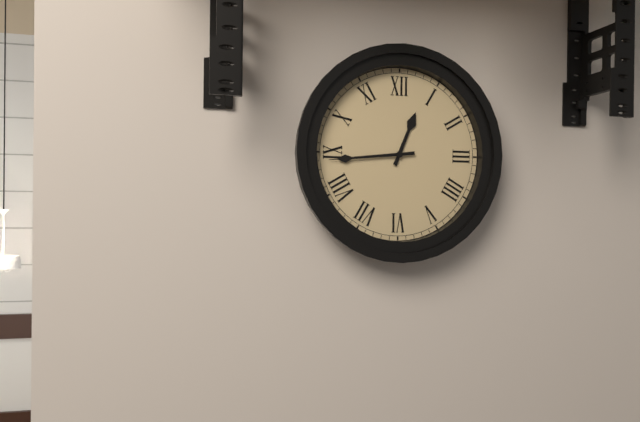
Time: h=12 m=44
